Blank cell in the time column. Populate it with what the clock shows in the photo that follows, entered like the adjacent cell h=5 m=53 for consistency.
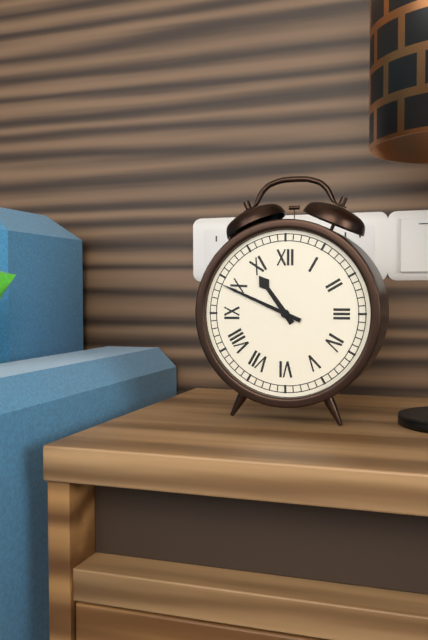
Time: h=10 m=49
